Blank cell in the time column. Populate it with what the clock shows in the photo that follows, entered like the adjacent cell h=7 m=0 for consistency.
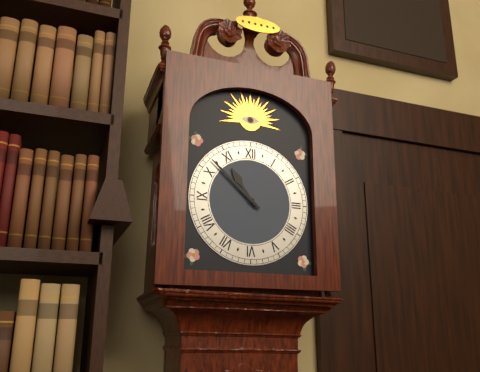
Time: h=10 m=52
